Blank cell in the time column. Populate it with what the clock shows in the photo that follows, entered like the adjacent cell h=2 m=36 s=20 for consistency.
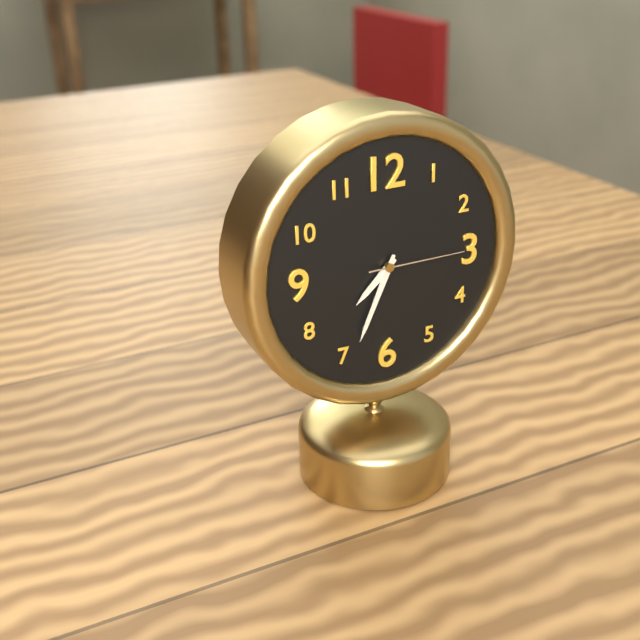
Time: h=7 m=34 s=15
